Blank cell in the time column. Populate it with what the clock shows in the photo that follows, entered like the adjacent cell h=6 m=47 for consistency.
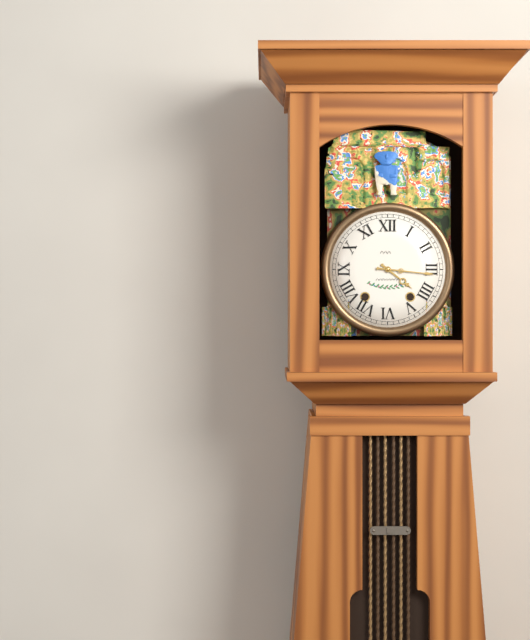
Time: h=4 m=16
